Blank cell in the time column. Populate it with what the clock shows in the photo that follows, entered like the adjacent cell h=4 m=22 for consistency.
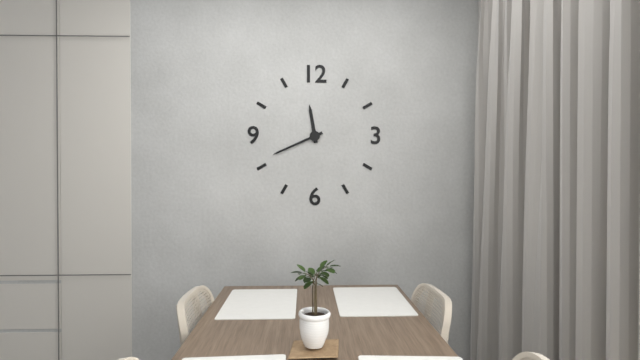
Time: h=11 m=41
